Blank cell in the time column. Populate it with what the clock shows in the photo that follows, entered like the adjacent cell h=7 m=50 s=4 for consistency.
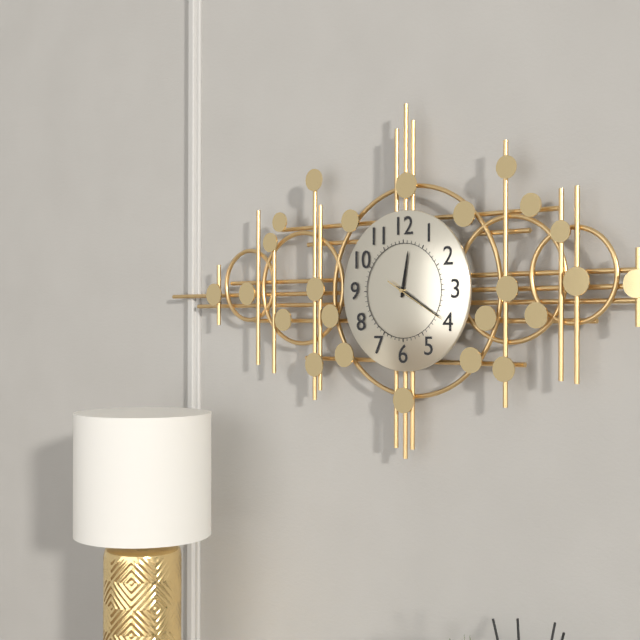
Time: h=12 m=20 s=20
